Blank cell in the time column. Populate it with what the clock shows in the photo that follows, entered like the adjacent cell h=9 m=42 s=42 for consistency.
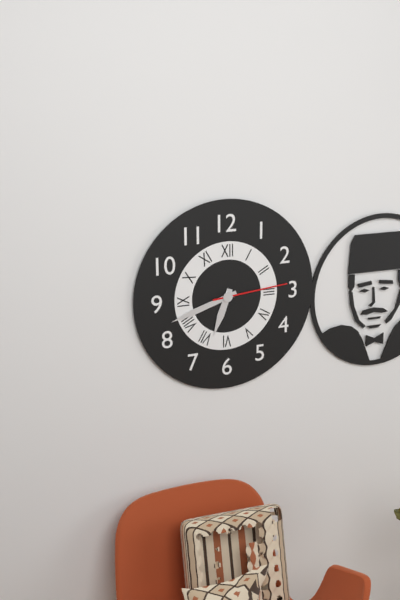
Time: h=6 m=42 s=14
